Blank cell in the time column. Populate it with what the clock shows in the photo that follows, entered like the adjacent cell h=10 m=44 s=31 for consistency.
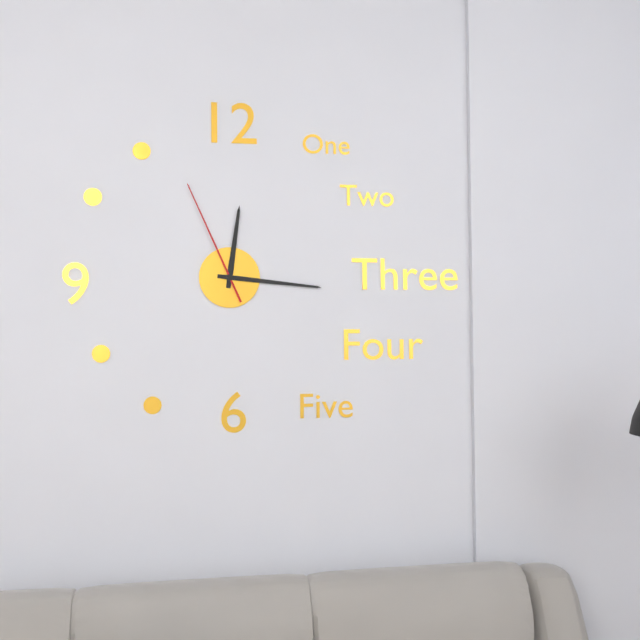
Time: h=12 m=16 s=56
